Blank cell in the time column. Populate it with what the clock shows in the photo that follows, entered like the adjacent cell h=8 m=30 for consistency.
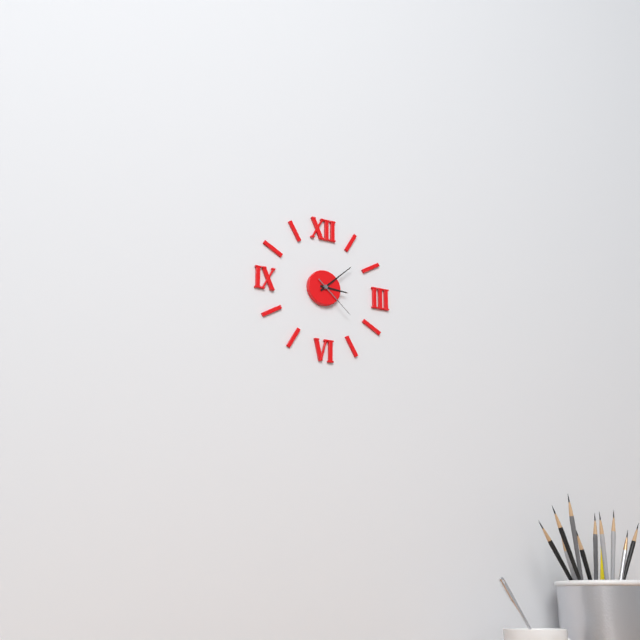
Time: h=3 m=8
